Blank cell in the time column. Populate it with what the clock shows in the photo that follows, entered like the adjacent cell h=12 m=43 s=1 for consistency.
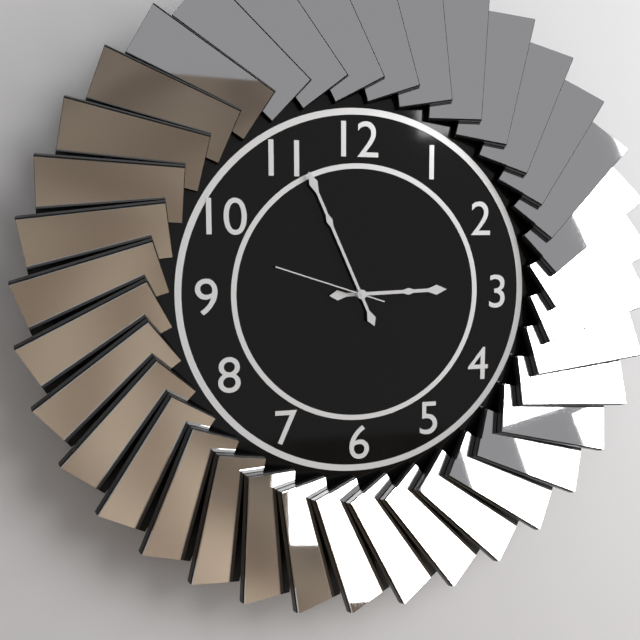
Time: h=2 m=56 s=48
